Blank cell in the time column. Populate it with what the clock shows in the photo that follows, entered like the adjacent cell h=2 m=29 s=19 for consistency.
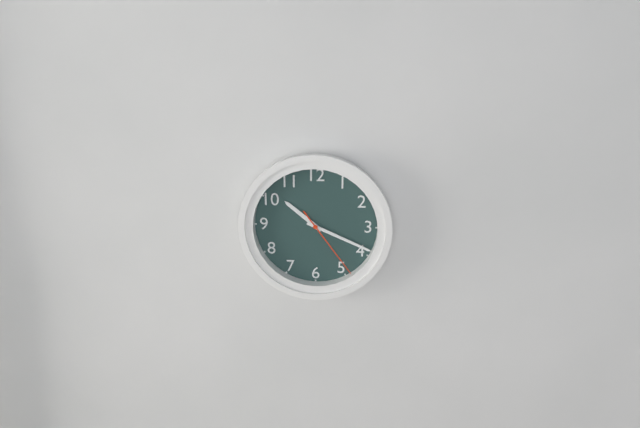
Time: h=10 m=19 s=24
